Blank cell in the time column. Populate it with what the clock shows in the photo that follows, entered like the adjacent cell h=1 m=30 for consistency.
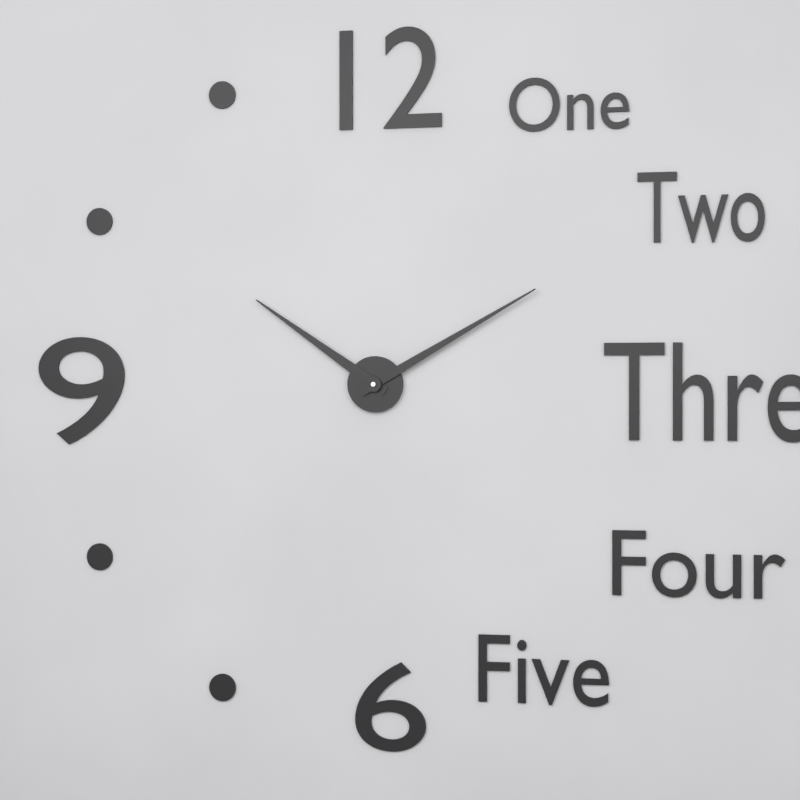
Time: h=10 m=10
